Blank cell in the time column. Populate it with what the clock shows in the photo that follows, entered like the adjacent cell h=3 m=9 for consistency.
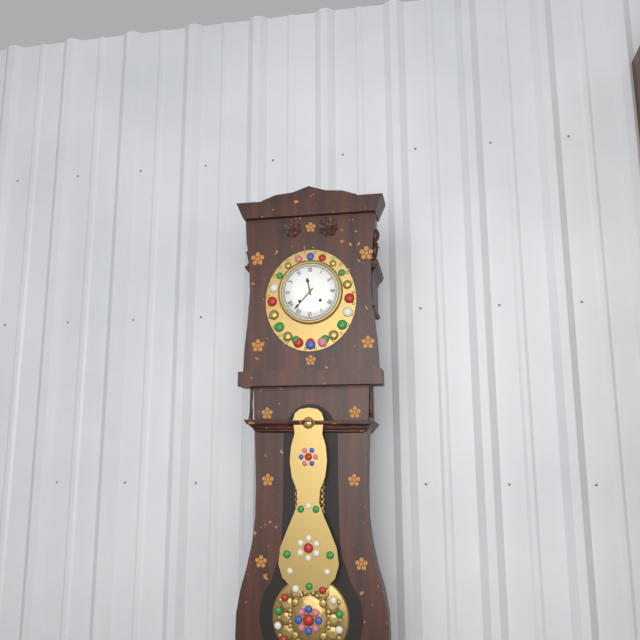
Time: h=11 m=37
